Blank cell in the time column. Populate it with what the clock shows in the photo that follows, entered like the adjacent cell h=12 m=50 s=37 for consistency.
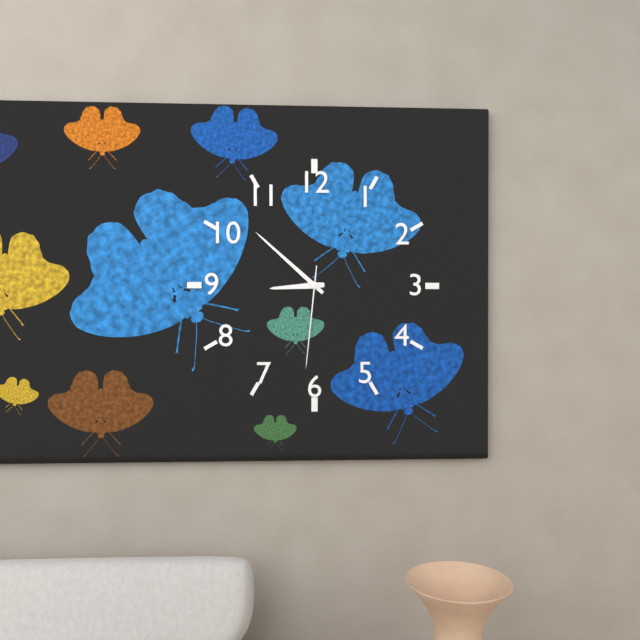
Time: h=8 m=52 s=31
